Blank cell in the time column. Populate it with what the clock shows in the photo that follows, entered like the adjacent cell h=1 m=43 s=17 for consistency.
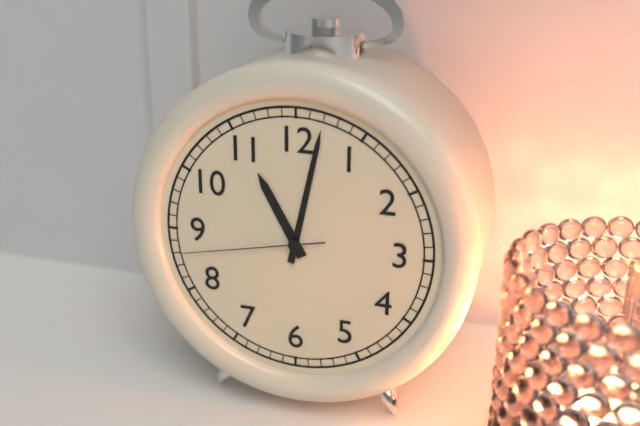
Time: h=11 m=2 s=43
